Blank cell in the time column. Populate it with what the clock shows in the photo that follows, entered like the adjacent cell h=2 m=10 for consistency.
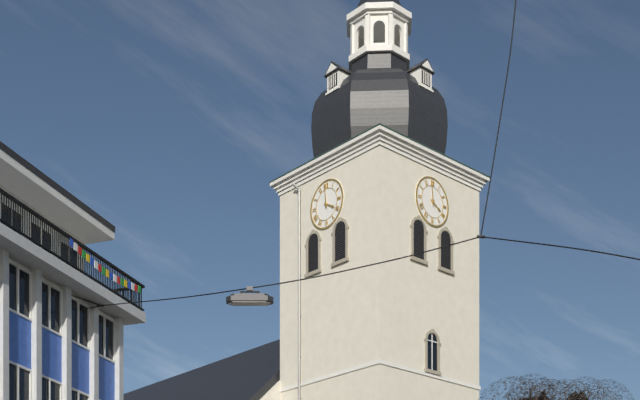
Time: h=3 m=59
